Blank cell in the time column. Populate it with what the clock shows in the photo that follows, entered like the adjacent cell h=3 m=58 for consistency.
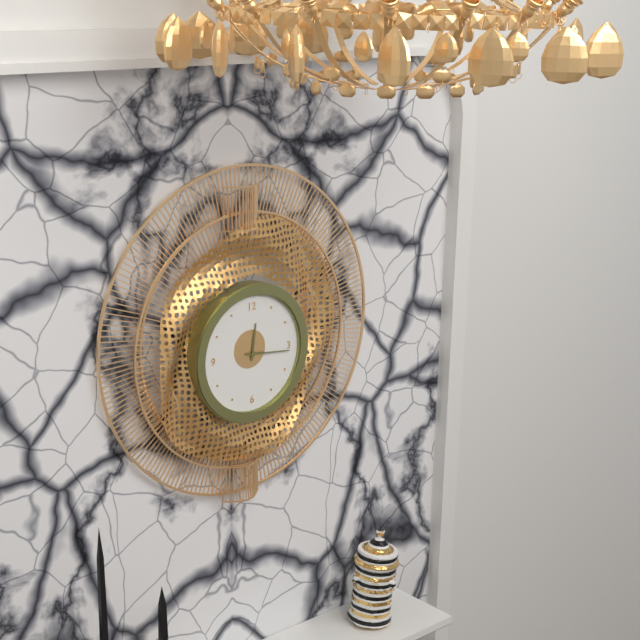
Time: h=12 m=16
